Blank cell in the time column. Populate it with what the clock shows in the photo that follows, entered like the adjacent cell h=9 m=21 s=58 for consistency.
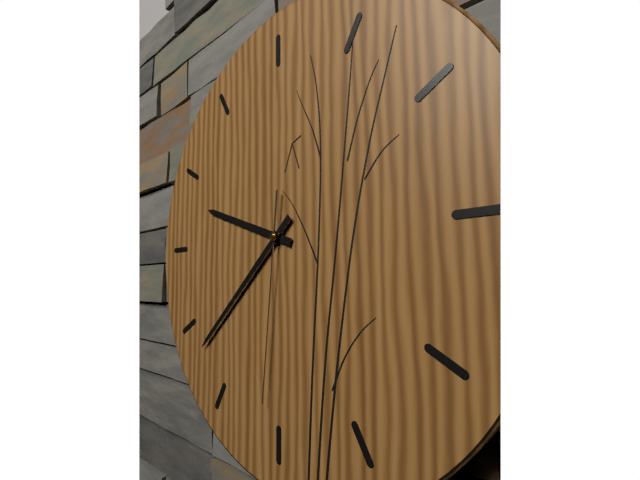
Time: h=9 m=38 s=31
